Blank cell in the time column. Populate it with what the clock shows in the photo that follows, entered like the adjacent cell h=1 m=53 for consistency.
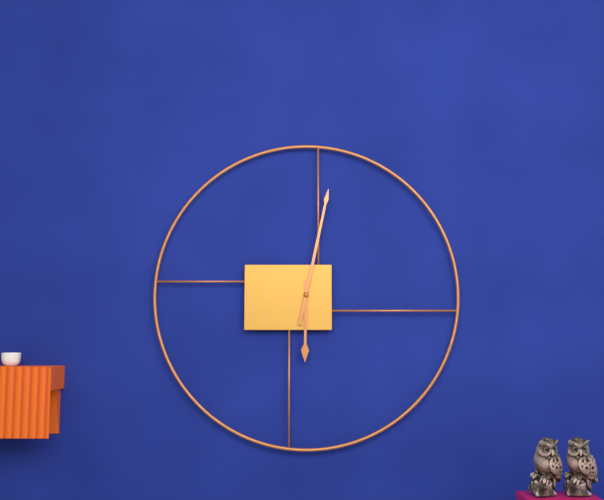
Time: h=6 m=2
